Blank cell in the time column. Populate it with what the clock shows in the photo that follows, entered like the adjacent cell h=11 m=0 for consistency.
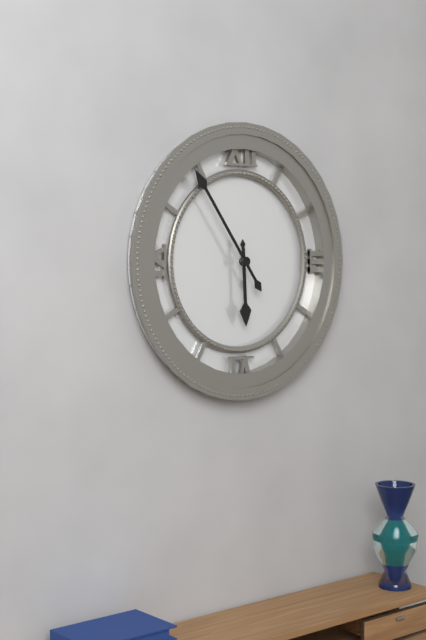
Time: h=5 m=54
